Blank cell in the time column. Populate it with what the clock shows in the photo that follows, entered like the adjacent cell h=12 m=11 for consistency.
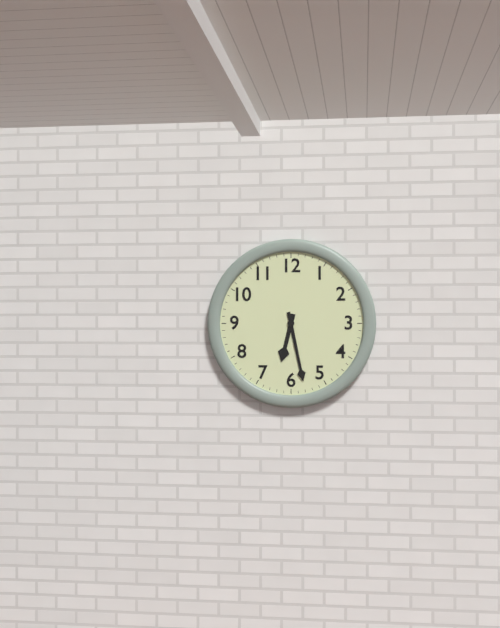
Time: h=6 m=28
